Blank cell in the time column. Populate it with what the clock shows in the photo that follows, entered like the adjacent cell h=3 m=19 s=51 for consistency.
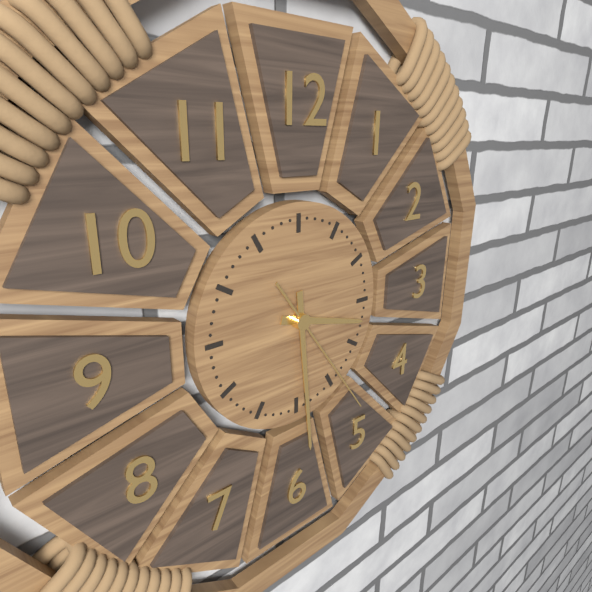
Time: h=3 m=29 s=24
